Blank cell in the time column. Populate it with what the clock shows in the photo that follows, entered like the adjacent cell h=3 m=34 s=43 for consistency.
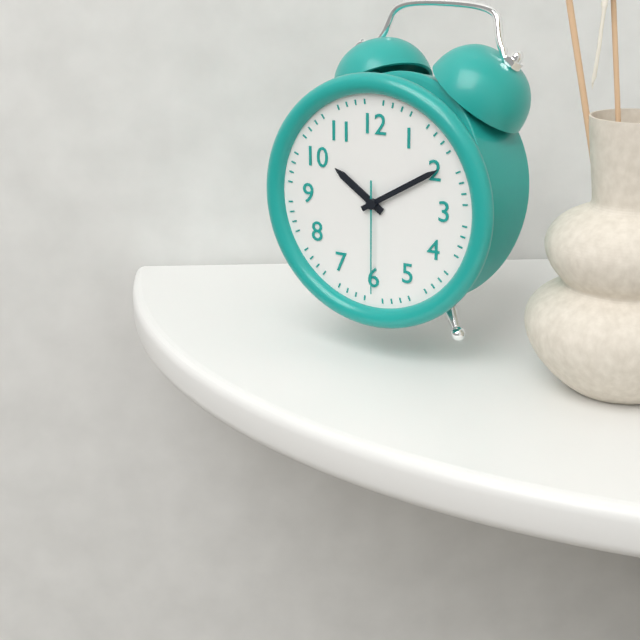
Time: h=10 m=10 s=30
